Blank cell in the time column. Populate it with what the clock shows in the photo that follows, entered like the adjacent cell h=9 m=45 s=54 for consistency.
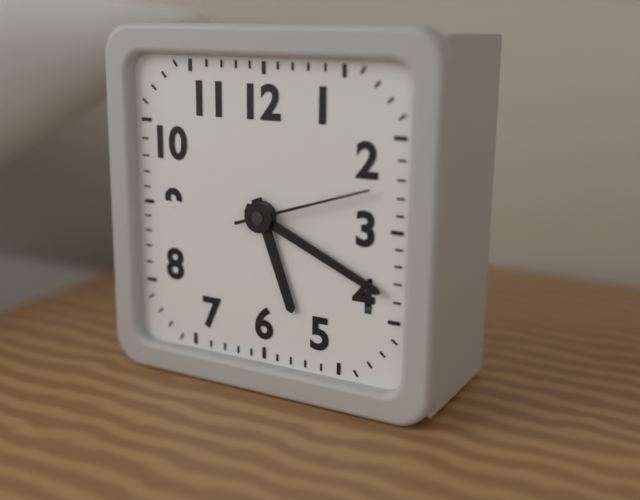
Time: h=5 m=19 s=12
